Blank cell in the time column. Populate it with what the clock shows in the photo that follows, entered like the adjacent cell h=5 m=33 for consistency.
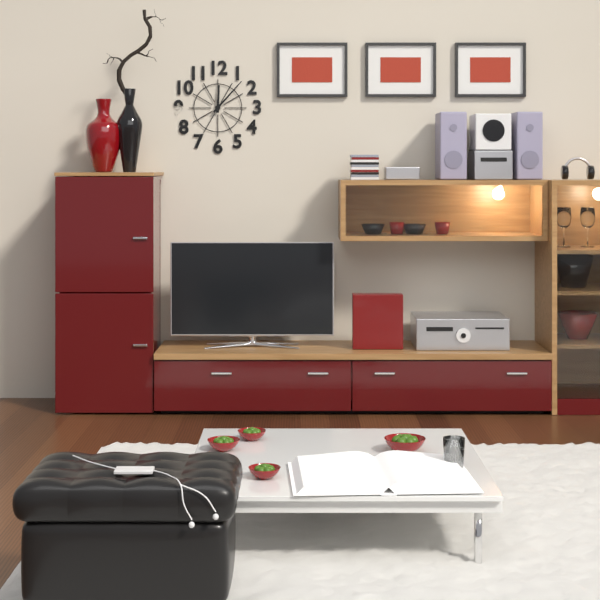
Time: h=12 m=7
